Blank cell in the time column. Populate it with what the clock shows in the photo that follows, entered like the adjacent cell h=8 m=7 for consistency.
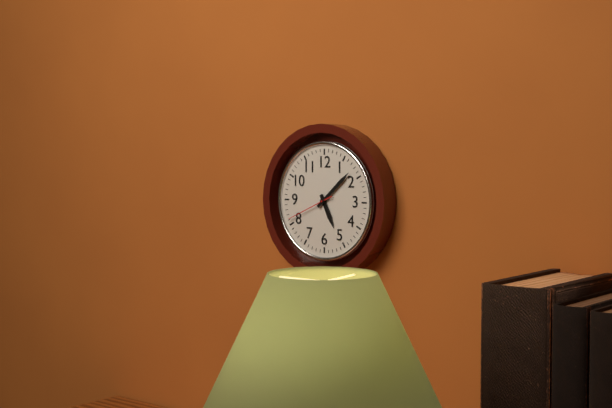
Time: h=5 m=8
